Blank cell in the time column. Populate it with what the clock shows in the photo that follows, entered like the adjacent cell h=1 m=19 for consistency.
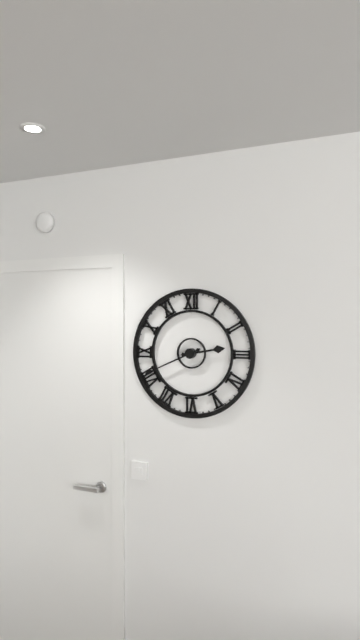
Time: h=2 m=41
